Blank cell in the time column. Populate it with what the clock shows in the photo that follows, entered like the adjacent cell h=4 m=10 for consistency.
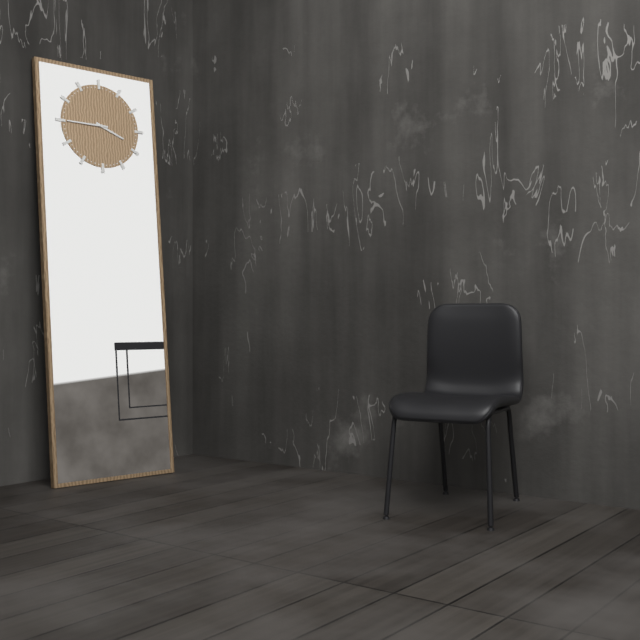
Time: h=3 m=45
